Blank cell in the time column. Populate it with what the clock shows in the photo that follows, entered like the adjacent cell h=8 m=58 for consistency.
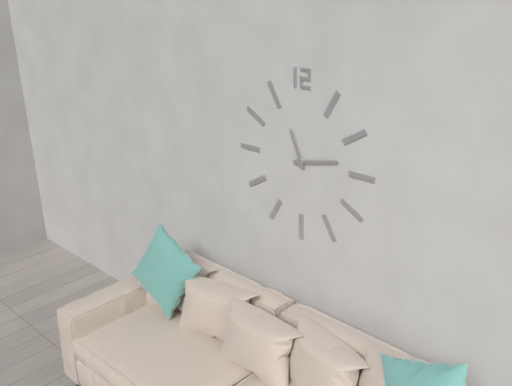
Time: h=11 m=13
